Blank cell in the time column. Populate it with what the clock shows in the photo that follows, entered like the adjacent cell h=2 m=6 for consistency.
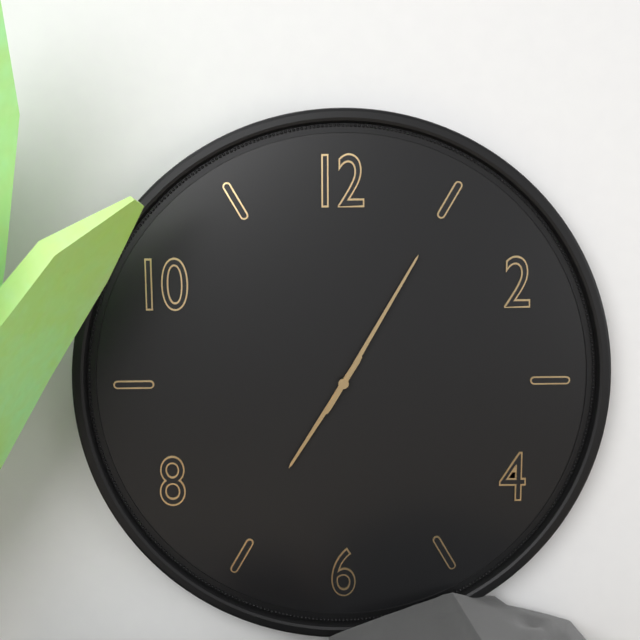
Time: h=7 m=5
